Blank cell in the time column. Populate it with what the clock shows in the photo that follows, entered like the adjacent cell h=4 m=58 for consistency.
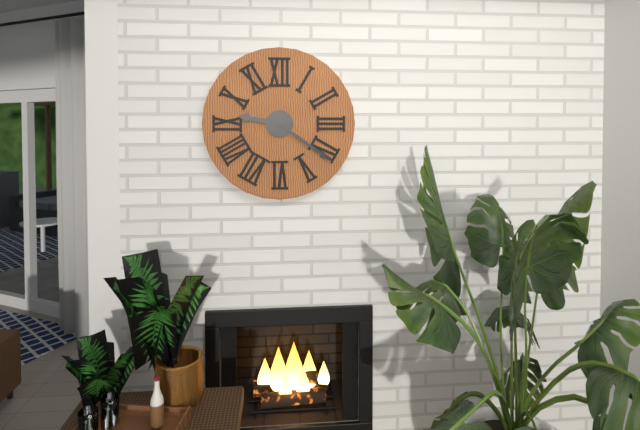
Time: h=9 m=21
